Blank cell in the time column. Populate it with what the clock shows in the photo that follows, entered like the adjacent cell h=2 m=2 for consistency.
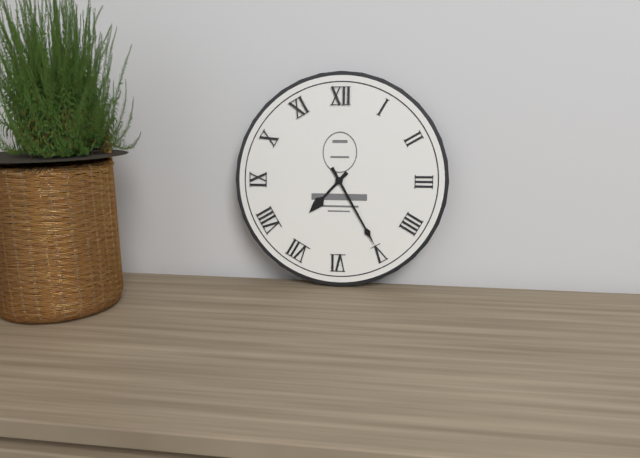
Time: h=7 m=25
